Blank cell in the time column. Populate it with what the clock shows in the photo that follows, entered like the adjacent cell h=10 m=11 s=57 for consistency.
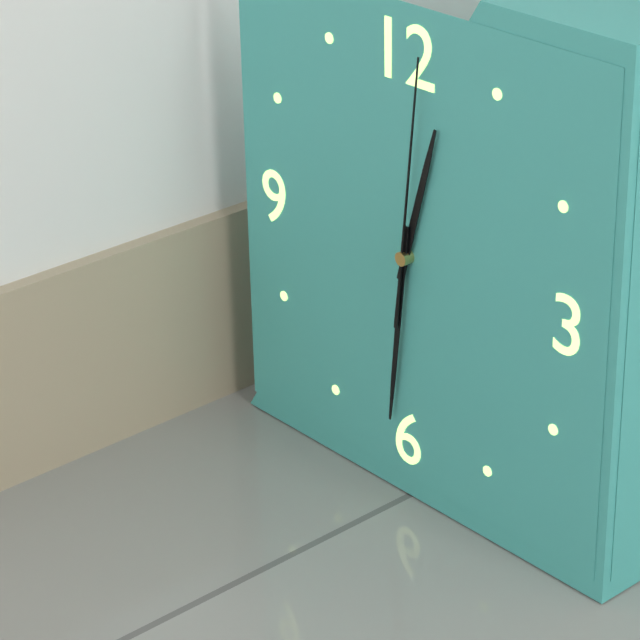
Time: h=12 m=31 s=1
